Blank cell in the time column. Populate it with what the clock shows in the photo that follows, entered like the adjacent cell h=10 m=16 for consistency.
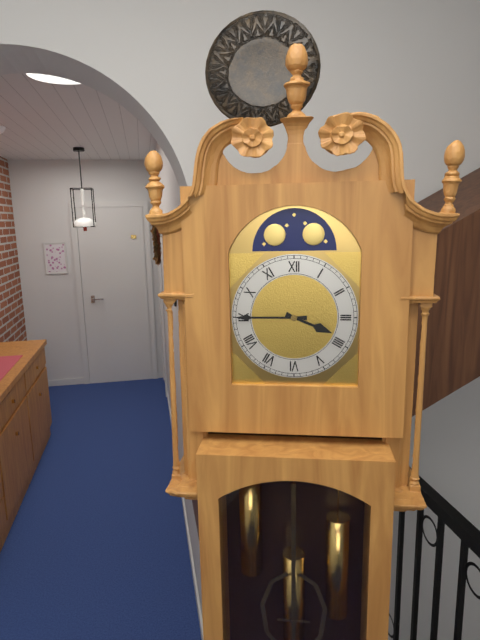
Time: h=3 m=45
